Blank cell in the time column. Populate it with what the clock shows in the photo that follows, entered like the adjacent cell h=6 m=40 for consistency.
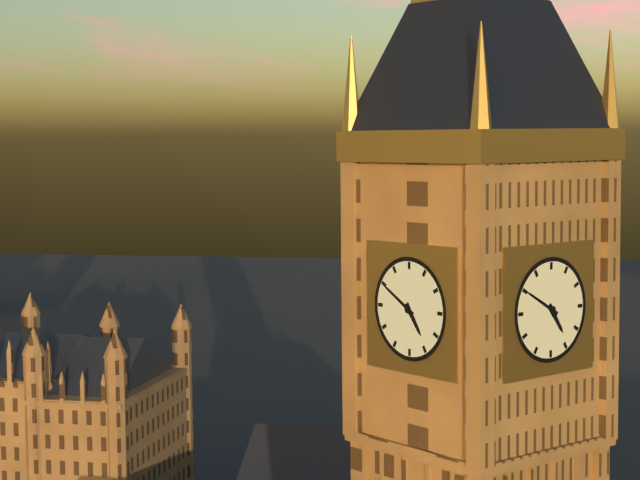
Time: h=4 m=50
